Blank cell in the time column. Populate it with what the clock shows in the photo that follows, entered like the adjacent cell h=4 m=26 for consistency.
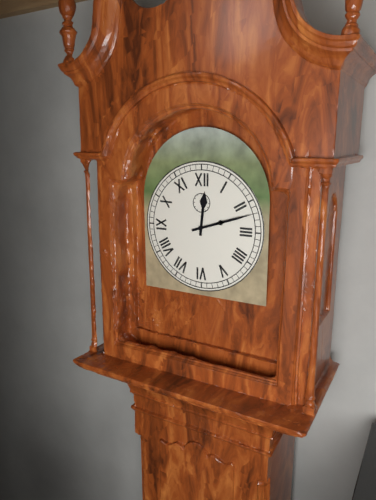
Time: h=12 m=12
